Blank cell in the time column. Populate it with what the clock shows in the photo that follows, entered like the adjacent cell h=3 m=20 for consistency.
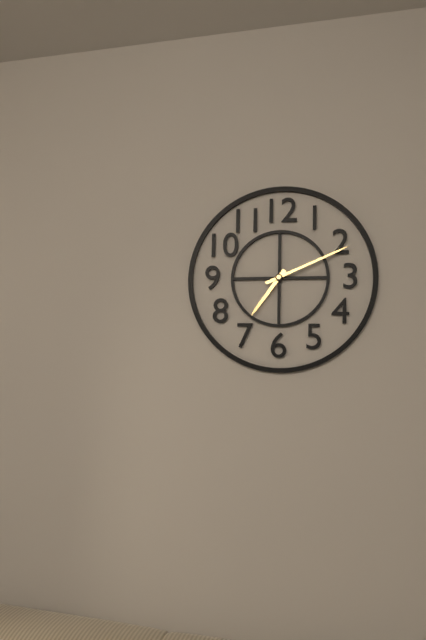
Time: h=7 m=11
